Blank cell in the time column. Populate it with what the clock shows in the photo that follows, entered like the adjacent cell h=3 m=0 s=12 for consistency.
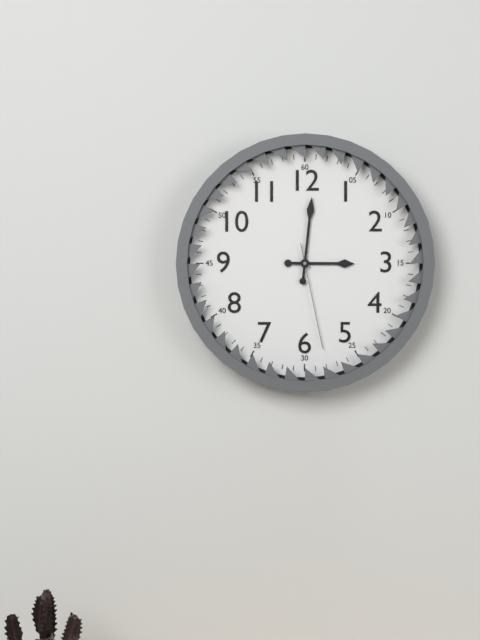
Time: h=3 m=1 s=28
